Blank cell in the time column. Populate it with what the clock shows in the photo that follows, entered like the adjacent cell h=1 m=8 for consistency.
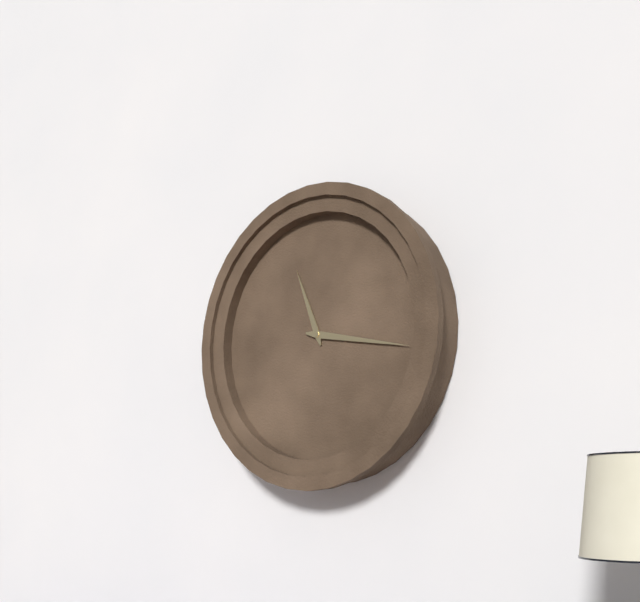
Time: h=11 m=17
